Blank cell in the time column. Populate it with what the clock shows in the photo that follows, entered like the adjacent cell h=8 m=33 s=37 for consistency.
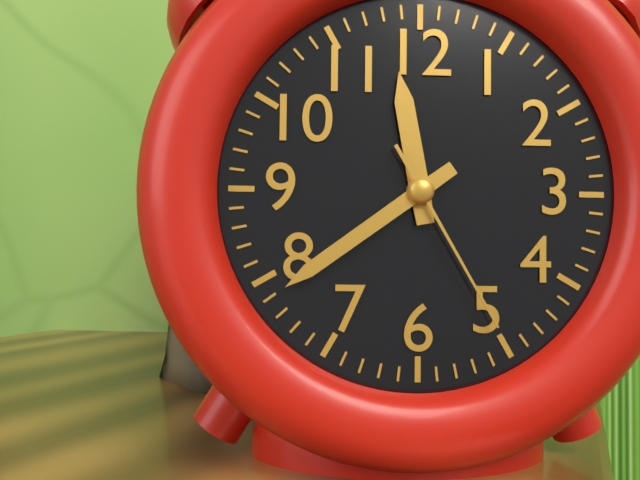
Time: h=11 m=39 s=25
